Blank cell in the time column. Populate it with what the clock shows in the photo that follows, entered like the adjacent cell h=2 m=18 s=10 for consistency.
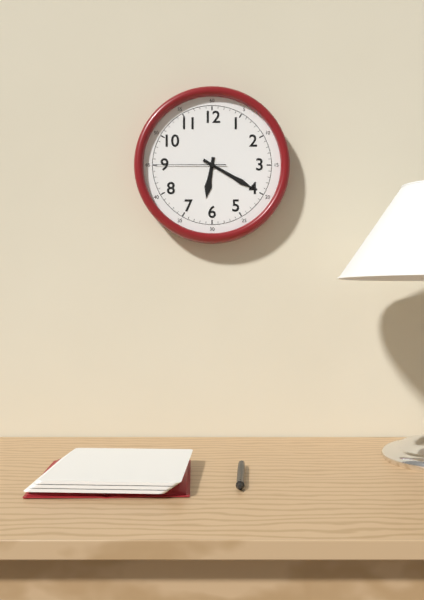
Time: h=6 m=20 s=45
